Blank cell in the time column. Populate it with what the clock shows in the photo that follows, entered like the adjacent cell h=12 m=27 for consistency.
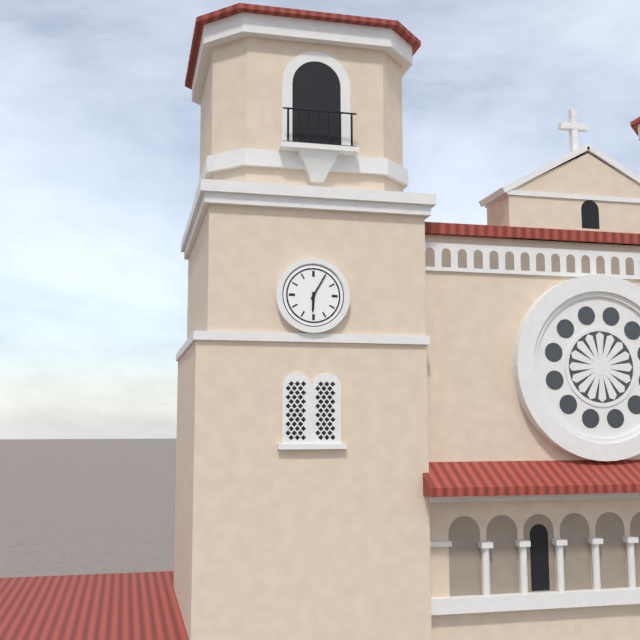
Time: h=6 m=5
